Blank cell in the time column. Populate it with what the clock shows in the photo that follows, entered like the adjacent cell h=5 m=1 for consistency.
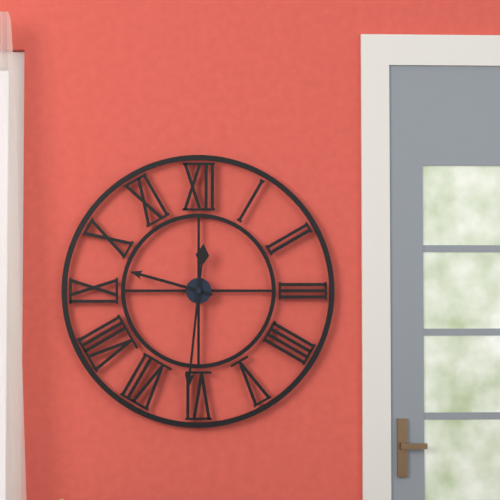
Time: h=9 m=31
